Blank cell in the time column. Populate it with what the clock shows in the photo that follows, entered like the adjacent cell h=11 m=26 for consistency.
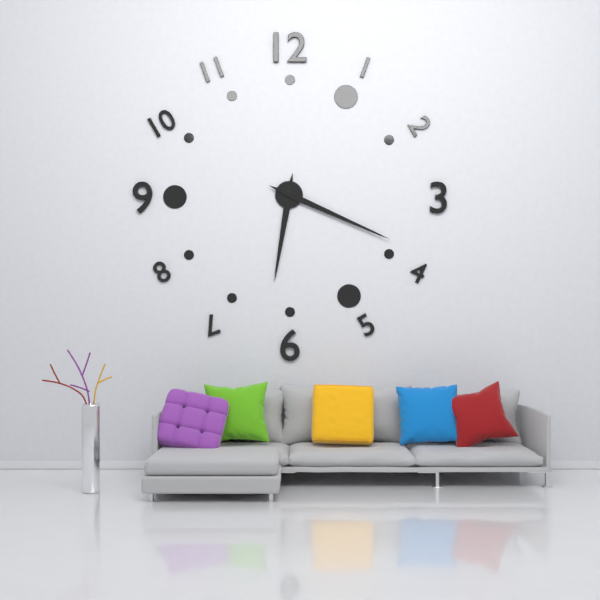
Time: h=6 m=19
